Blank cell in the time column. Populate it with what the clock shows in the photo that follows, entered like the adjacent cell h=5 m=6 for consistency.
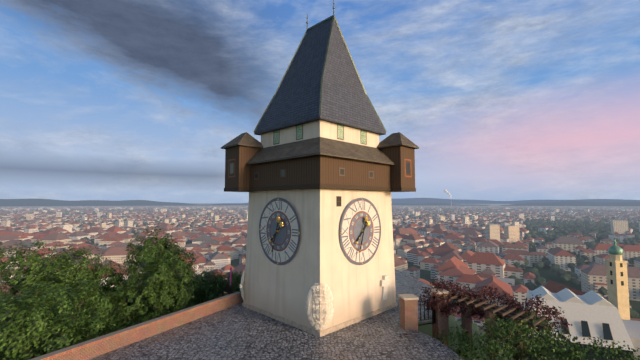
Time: h=7 m=33
